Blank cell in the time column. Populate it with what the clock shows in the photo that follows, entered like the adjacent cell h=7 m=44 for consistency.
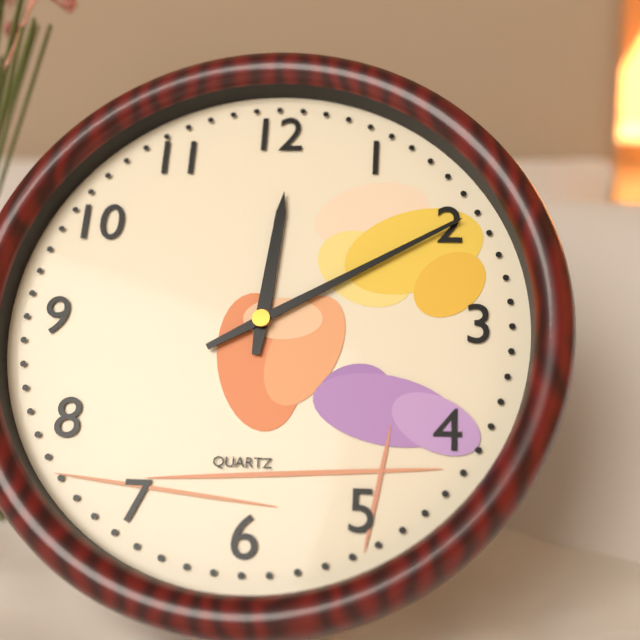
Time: h=12 m=10
